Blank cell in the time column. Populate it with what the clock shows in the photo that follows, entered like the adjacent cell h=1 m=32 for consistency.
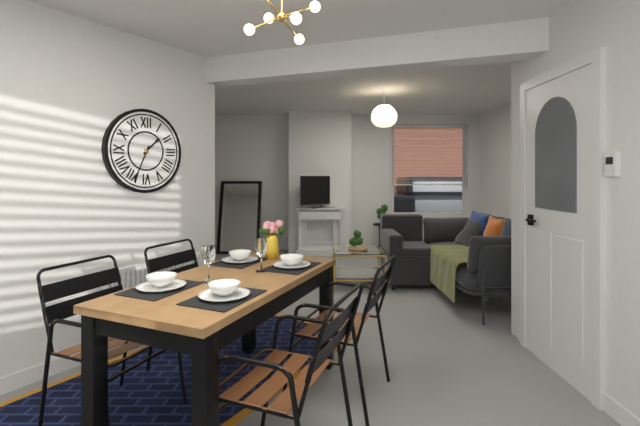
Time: h=1 m=34
